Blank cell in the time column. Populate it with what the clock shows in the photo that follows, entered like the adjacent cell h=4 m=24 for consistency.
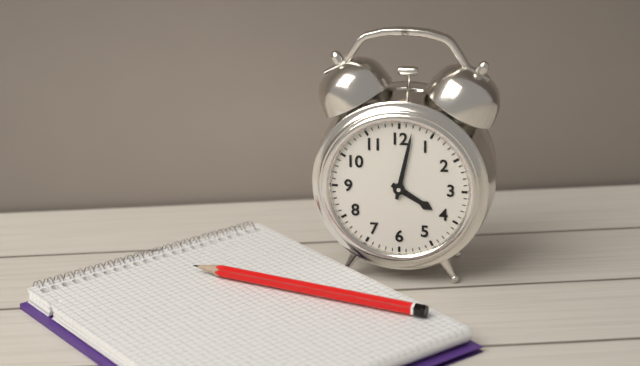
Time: h=4 m=2
